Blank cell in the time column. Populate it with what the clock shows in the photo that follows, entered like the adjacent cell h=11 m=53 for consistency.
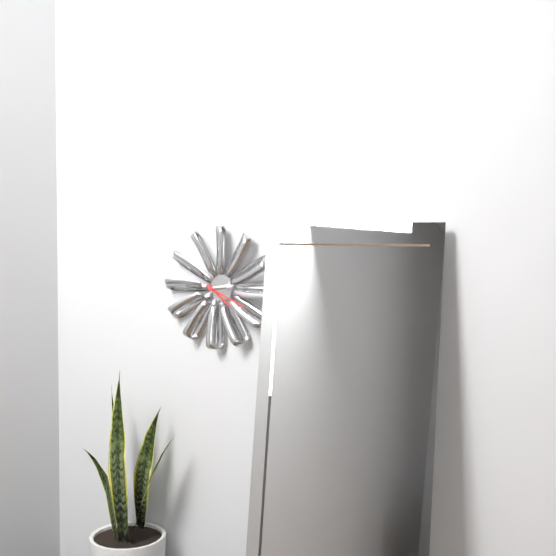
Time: h=4 m=19
